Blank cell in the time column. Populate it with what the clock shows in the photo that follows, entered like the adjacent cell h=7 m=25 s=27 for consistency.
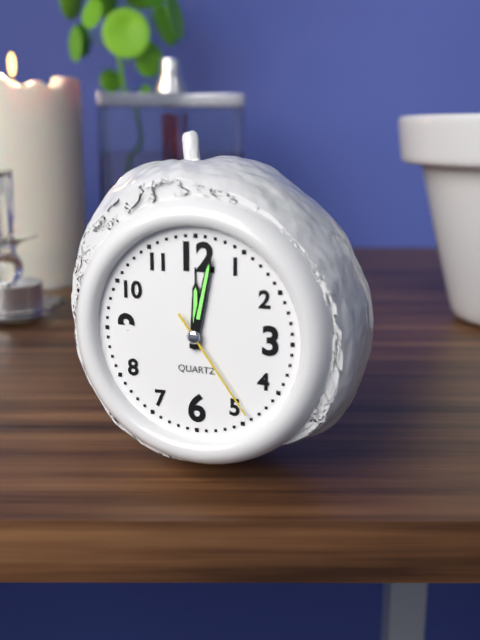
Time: h=12 m=2 s=24
